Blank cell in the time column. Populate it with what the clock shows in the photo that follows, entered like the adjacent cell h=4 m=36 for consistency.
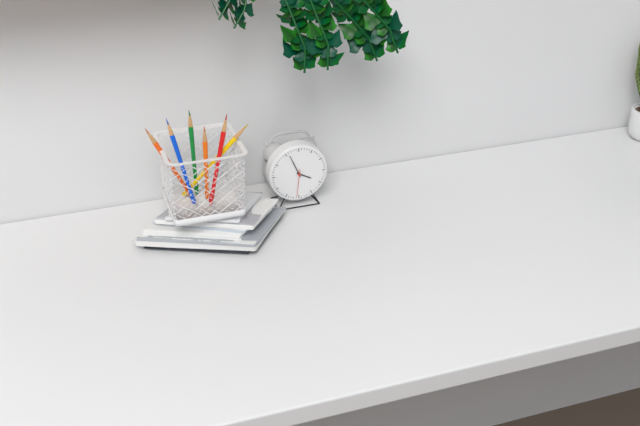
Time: h=3 m=56
